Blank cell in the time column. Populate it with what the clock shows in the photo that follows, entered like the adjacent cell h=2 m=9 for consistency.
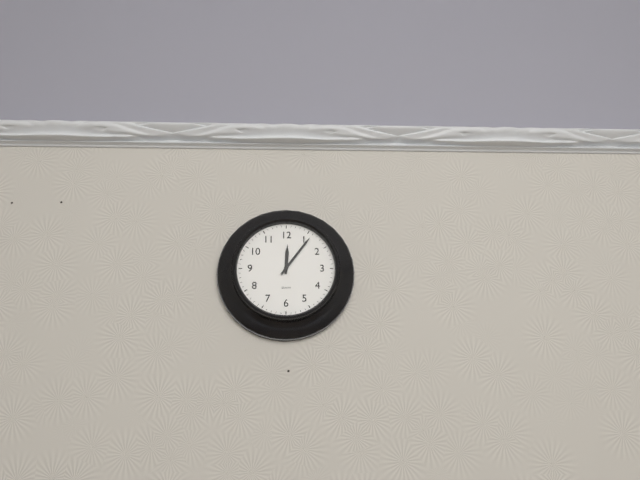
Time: h=12 m=6
